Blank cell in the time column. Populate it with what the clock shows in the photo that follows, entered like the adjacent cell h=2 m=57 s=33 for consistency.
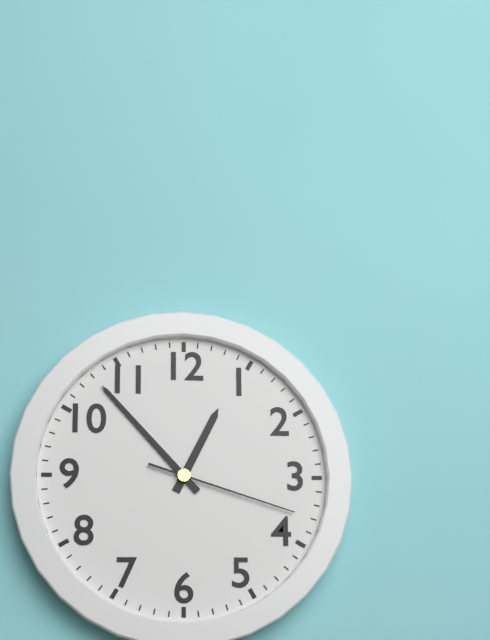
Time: h=12 m=53 s=18
